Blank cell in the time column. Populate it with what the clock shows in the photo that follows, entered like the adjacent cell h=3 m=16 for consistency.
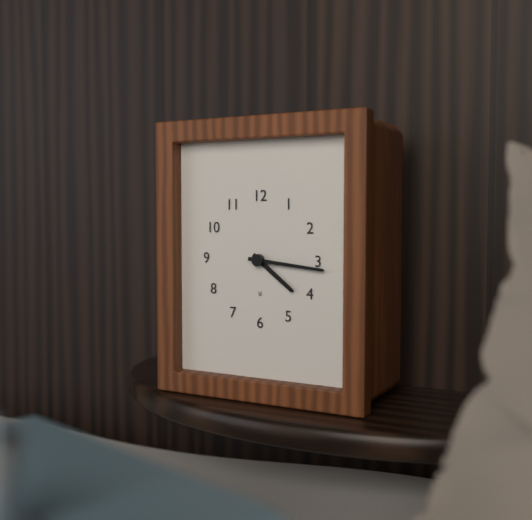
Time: h=4 m=16
